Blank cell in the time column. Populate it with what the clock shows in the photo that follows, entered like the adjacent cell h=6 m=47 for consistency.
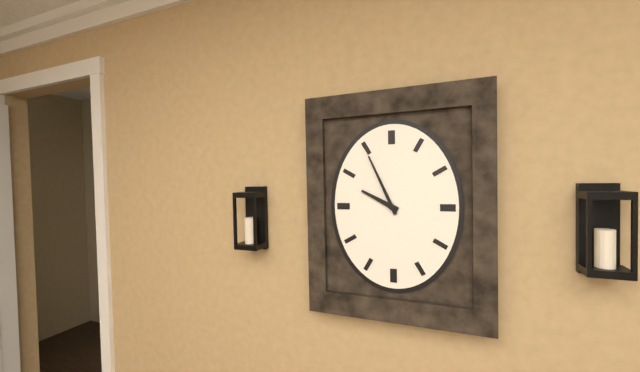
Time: h=9 m=56
